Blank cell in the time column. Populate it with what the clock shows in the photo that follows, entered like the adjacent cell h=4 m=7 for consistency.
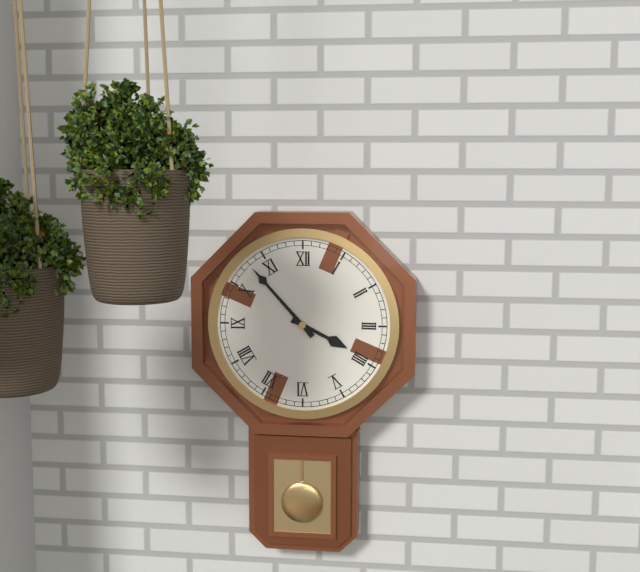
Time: h=3 m=53
